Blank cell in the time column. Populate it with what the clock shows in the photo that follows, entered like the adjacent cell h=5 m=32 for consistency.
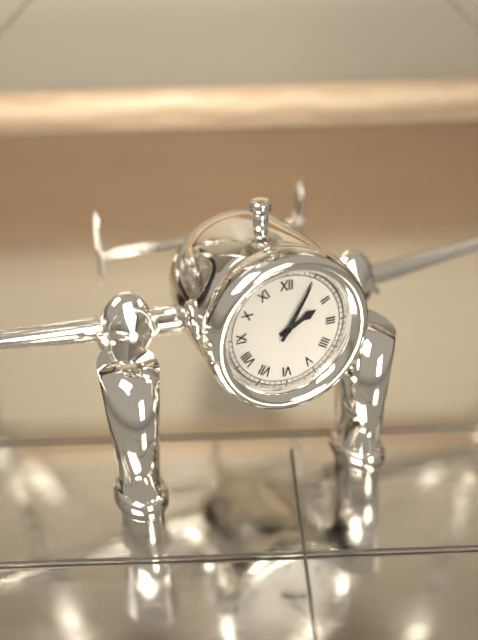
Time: h=2 m=5
